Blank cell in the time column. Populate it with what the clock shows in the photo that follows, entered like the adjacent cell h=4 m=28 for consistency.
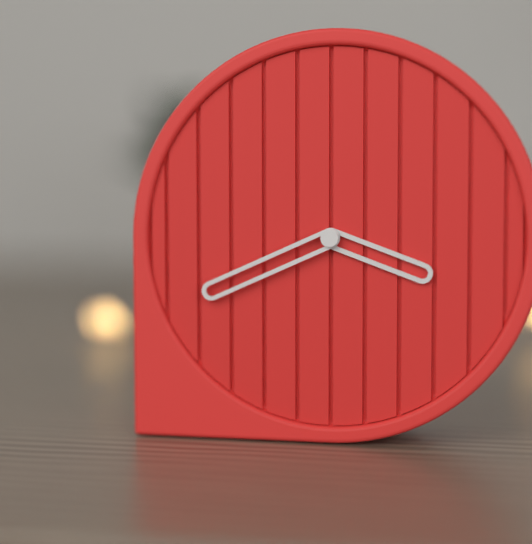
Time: h=3 m=41
